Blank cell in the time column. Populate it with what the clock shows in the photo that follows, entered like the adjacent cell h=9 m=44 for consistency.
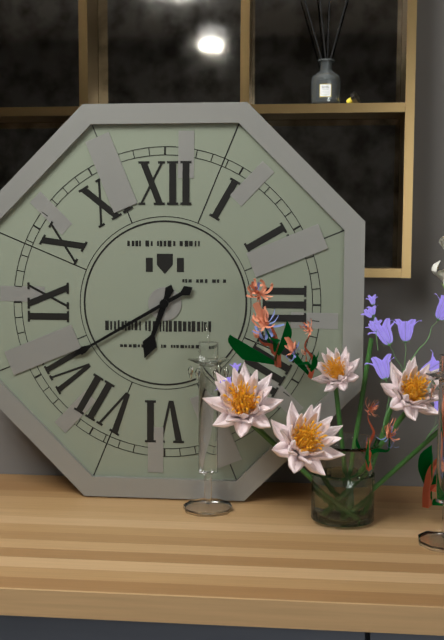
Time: h=6 m=40
